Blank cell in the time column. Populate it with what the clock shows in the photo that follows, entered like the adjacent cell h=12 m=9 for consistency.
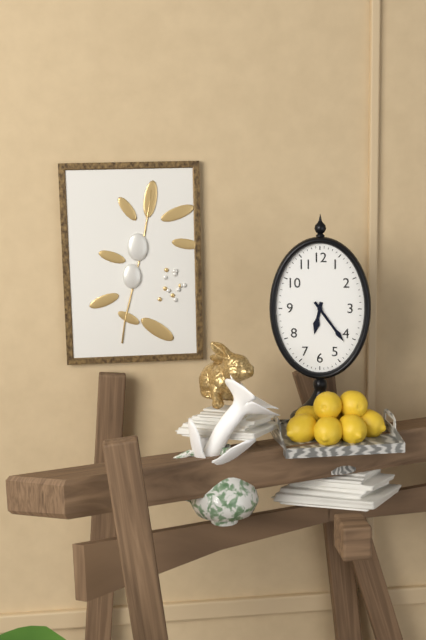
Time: h=6 m=24
